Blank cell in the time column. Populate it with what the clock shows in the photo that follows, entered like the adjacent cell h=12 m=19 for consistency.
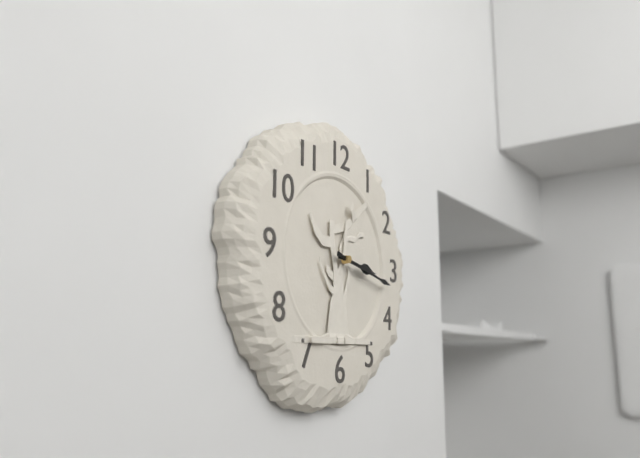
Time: h=3 m=17
